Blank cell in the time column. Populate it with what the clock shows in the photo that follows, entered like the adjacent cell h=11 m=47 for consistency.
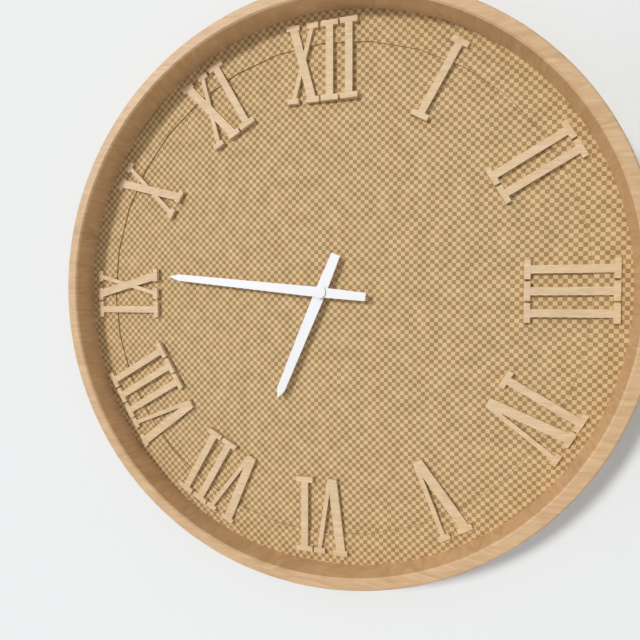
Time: h=6 m=46
